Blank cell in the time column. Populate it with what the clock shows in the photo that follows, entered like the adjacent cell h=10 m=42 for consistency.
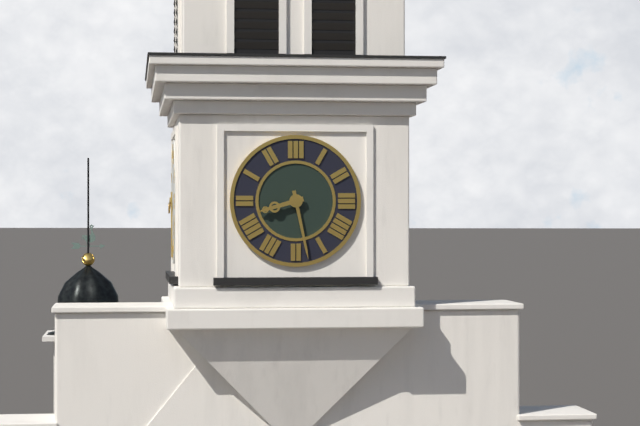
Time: h=8 m=28
